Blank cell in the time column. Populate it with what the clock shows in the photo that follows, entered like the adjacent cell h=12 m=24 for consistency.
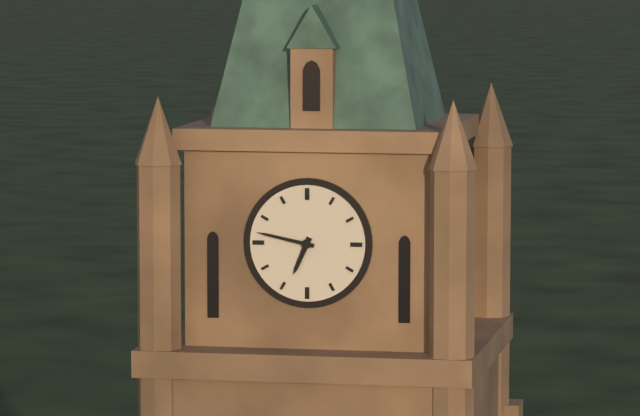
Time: h=6 m=47
